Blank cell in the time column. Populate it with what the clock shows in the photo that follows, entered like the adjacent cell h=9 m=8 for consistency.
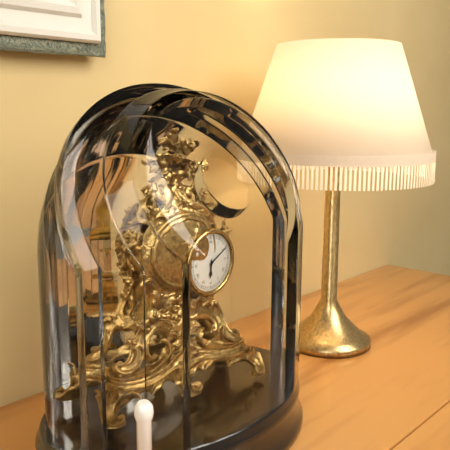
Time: h=6 m=10
